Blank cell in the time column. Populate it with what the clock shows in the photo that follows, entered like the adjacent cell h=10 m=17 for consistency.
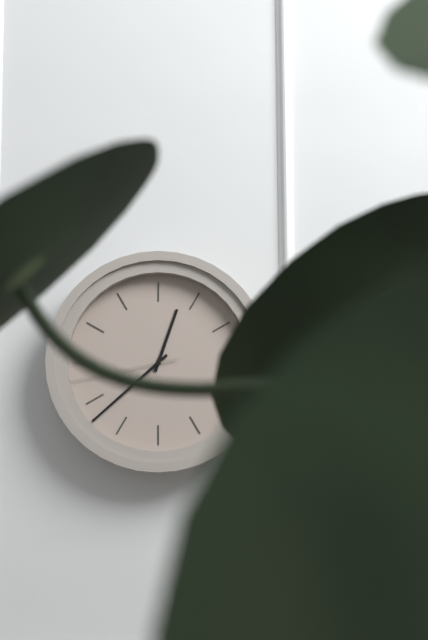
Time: h=12 m=38
